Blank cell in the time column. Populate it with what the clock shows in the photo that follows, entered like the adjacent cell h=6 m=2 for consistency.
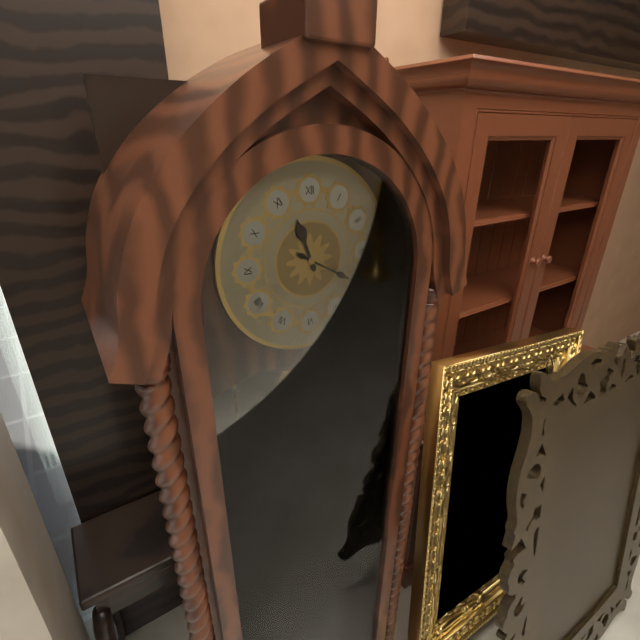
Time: h=11 m=20
